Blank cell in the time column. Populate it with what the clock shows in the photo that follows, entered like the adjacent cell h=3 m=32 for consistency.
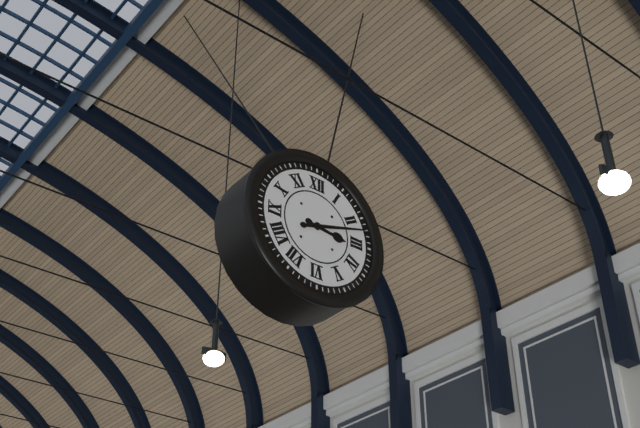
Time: h=3 m=12
